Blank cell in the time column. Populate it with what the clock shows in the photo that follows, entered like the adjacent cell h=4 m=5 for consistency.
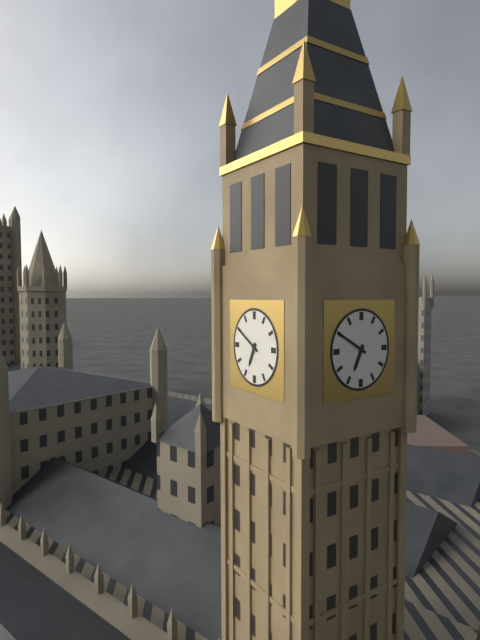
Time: h=6 m=50
